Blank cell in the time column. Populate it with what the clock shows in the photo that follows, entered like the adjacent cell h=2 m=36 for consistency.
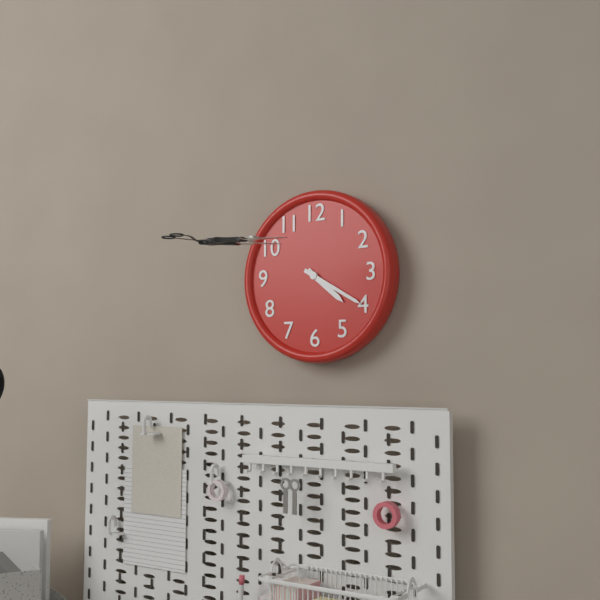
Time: h=4 m=20
